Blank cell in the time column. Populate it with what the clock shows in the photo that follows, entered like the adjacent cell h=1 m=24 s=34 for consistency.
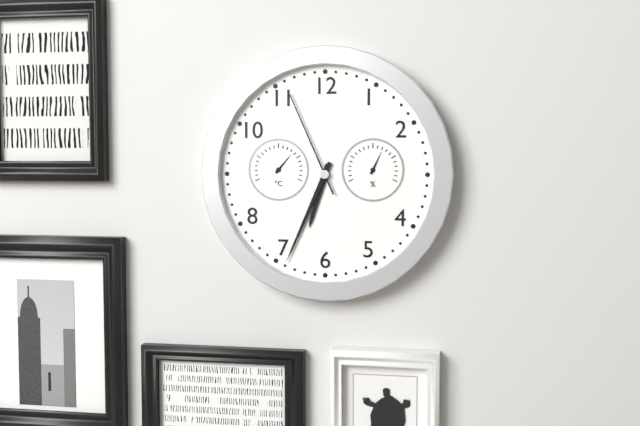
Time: h=6 m=34 s=56
